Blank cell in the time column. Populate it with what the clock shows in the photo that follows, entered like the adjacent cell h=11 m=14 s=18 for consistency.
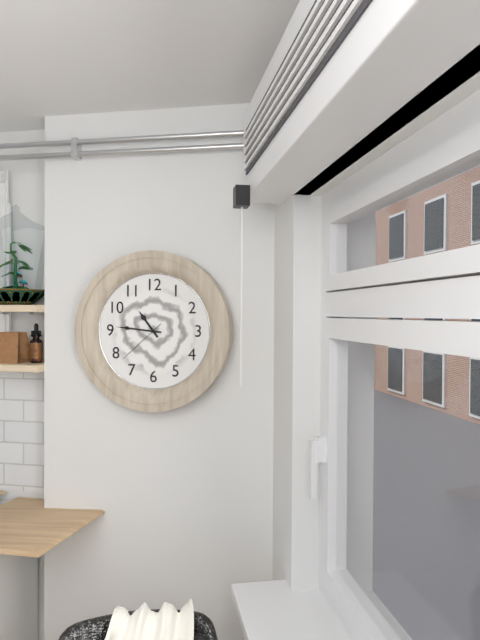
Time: h=10 m=46 s=38
